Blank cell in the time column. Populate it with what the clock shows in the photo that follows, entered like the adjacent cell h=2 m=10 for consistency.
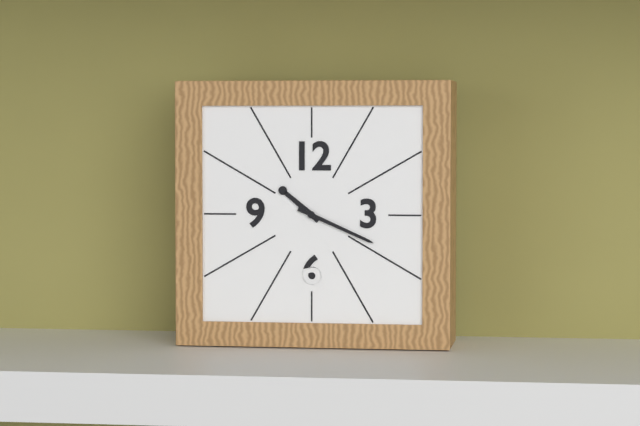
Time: h=10 m=19
